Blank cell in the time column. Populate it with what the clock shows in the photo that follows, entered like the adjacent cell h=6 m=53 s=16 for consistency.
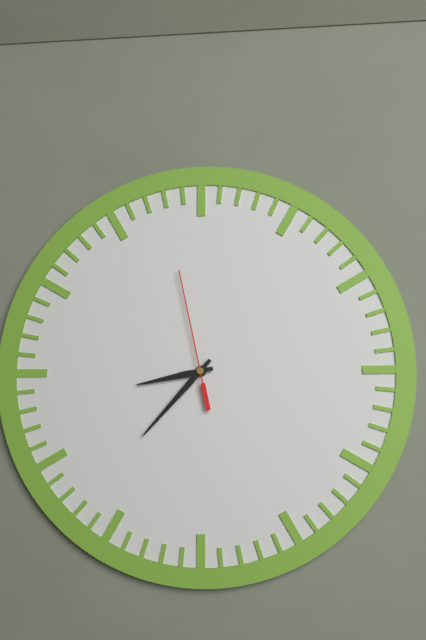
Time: h=8 m=37 s=58
